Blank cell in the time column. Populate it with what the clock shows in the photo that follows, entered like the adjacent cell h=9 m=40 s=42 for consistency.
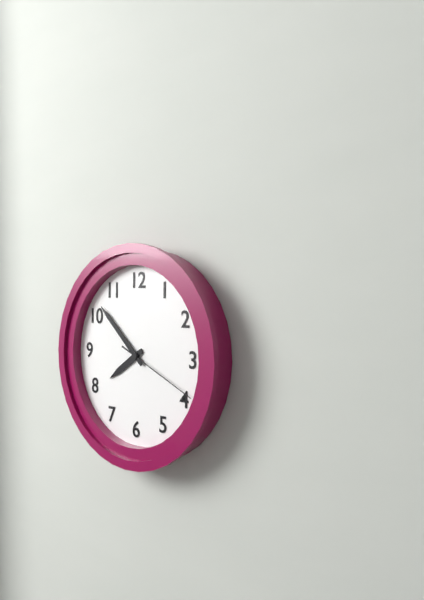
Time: h=7 m=52 s=19
